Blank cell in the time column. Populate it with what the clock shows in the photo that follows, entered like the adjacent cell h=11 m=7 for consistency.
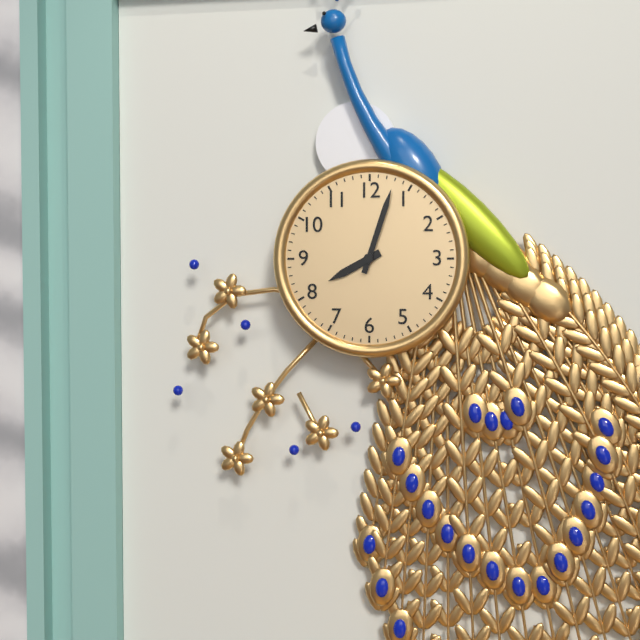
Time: h=8 m=3
